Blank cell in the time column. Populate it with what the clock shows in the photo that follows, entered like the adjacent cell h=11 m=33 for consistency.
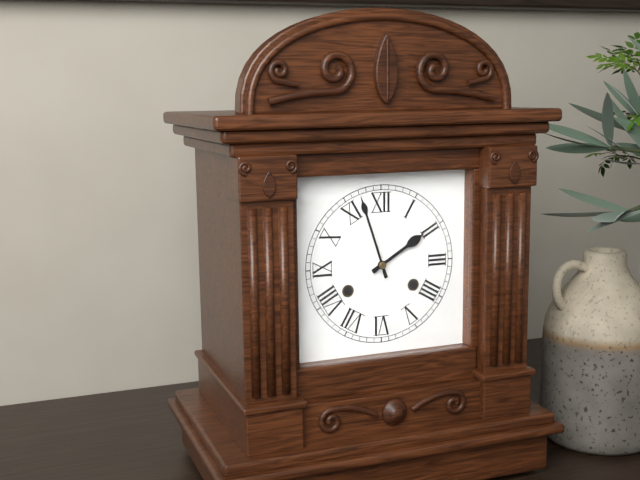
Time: h=1 m=57
